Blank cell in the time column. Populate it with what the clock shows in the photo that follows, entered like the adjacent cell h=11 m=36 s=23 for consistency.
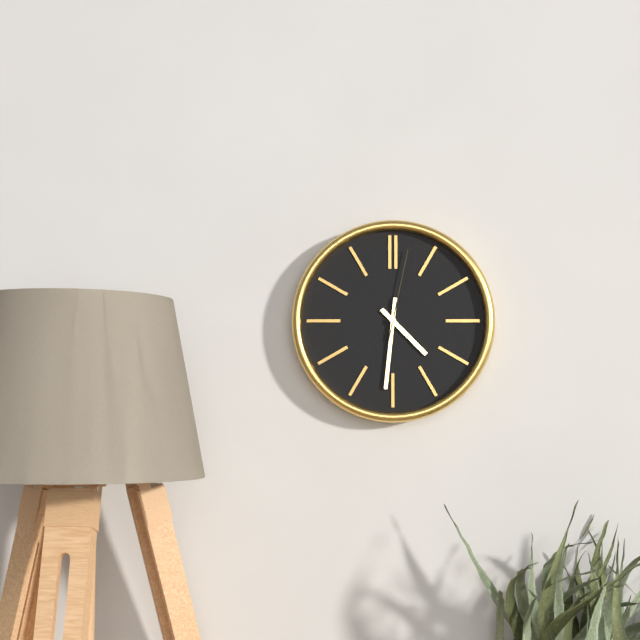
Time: h=4 m=31 s=2
